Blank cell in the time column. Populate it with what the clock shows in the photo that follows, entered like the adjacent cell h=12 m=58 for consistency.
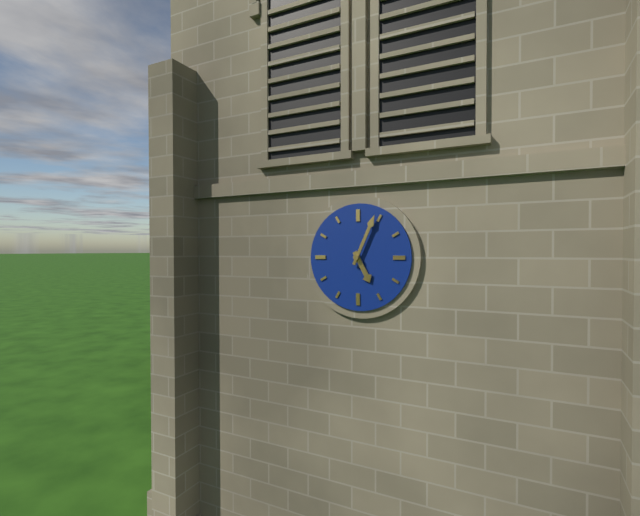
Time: h=5 m=4
